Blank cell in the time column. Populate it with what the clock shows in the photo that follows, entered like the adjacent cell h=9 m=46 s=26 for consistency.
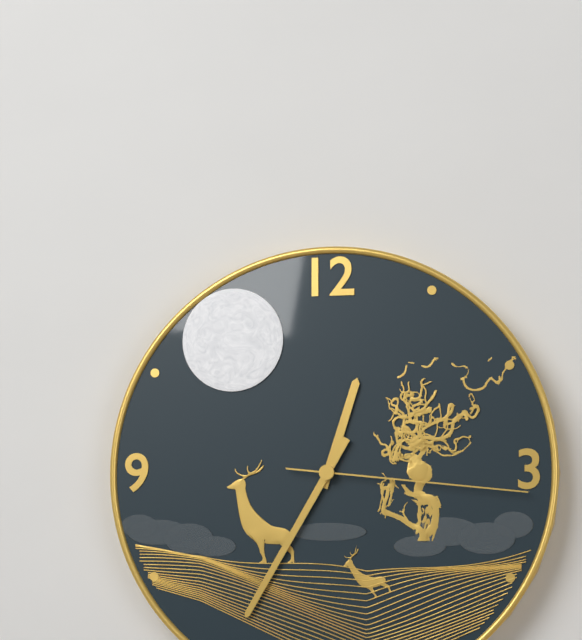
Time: h=12 m=35 s=16
